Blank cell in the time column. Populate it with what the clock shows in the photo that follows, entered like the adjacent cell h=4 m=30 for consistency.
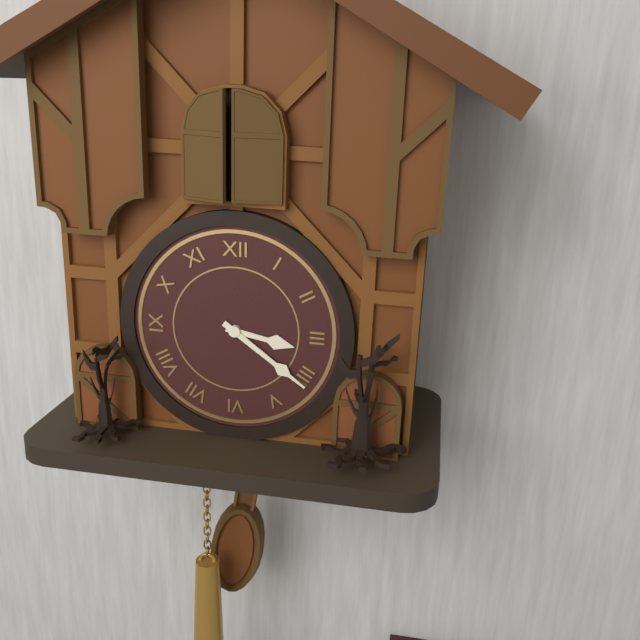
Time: h=3 m=21
